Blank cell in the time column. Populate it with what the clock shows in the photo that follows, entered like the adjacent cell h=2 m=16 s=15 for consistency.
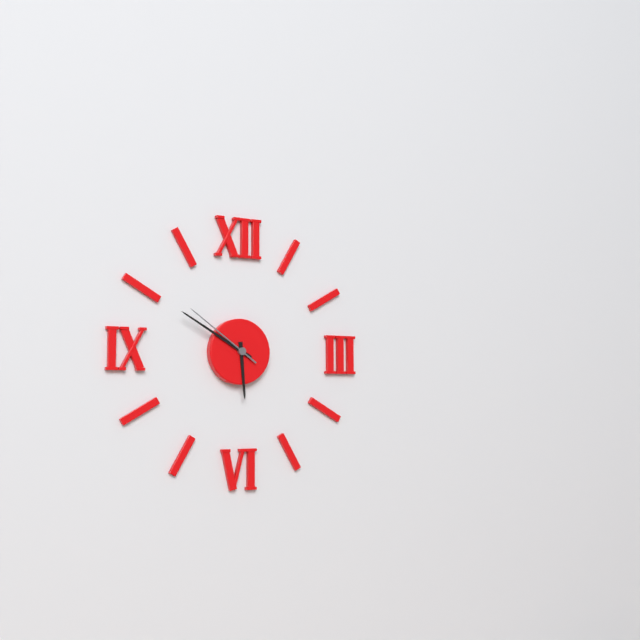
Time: h=5 m=50 s=51
